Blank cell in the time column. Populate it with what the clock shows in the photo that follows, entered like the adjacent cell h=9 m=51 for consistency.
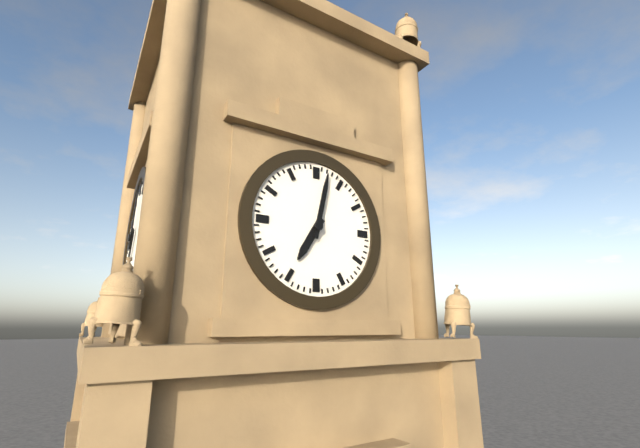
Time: h=7 m=2
